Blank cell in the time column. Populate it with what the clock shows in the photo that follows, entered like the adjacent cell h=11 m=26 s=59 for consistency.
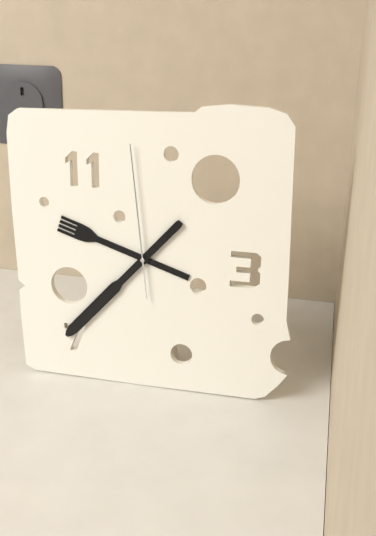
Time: h=9 m=37 s=59
